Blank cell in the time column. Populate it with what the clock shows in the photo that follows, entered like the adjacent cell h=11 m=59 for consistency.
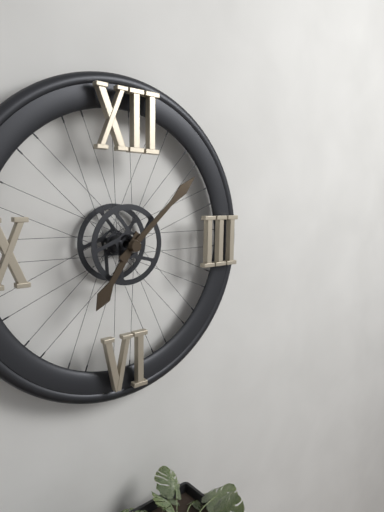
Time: h=7 m=8
